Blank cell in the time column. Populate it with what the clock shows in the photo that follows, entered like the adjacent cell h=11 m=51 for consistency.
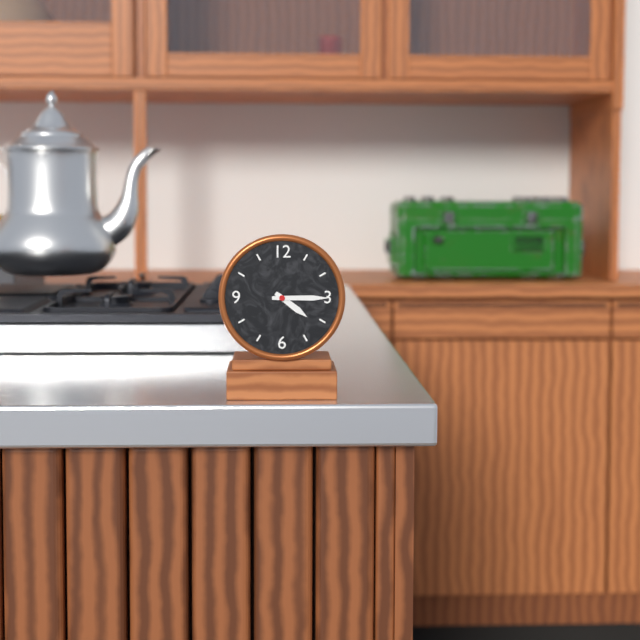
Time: h=4 m=15
